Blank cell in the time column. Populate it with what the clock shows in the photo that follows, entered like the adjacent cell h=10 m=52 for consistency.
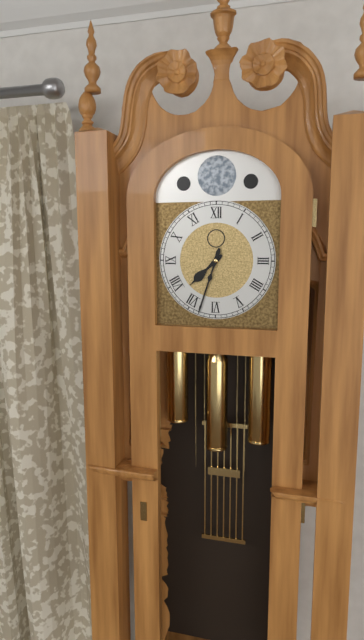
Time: h=7 m=33
